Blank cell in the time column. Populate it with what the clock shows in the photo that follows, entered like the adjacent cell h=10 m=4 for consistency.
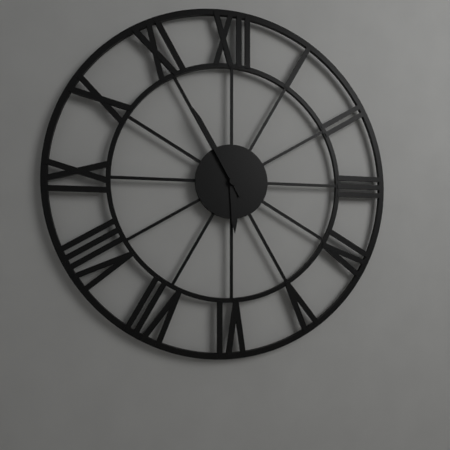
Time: h=5 m=55
